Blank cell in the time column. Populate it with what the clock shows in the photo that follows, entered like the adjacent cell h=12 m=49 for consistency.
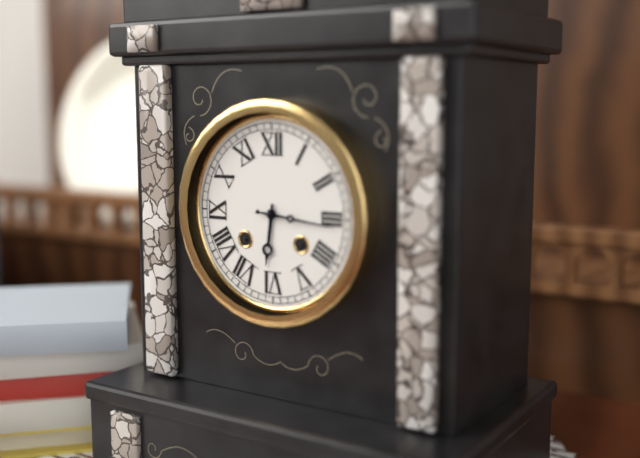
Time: h=6 m=16
